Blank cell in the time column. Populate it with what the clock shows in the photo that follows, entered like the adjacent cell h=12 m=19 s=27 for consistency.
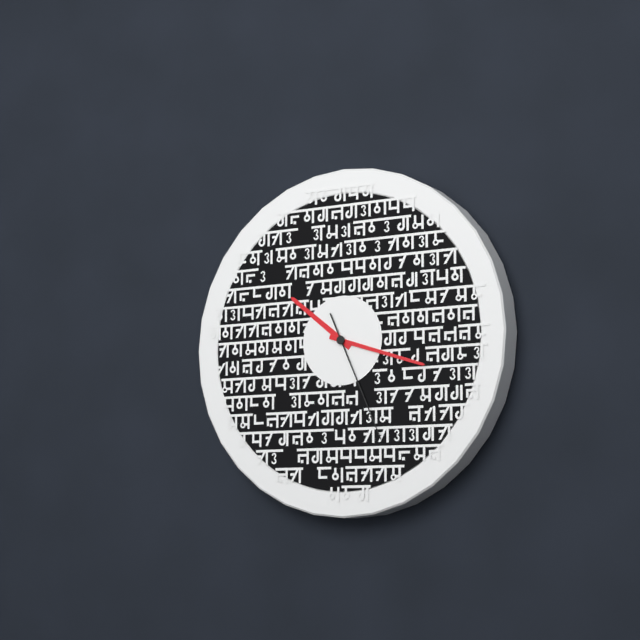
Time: h=10 m=18 s=26
